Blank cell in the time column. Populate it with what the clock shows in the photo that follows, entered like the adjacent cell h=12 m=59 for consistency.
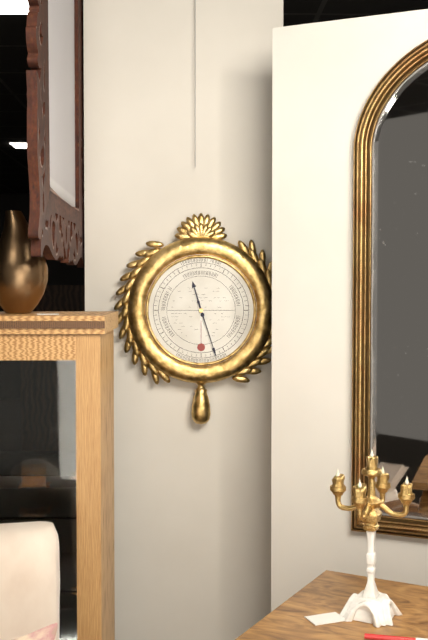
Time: h=11 m=27
